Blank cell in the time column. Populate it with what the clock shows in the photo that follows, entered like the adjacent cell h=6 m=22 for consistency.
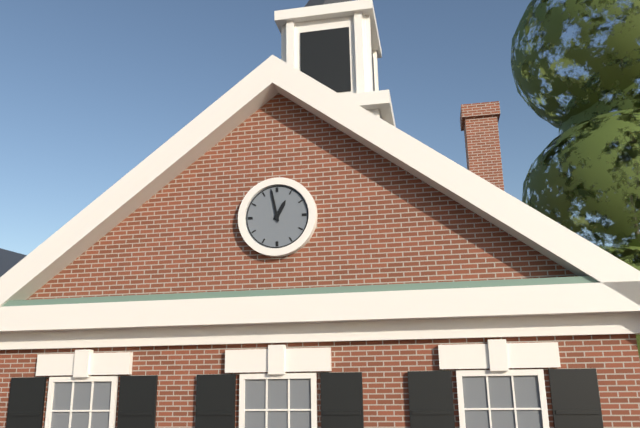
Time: h=12 m=58
